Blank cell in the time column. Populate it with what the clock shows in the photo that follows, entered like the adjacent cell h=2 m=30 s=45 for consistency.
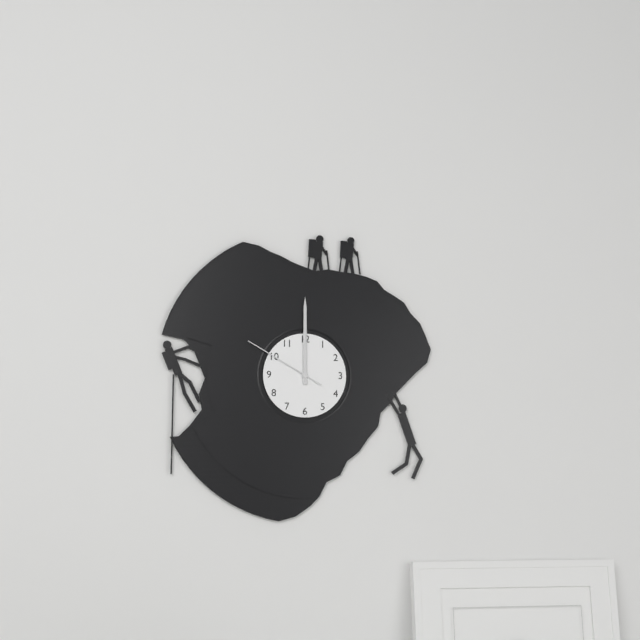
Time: h=12 m=0 s=50
